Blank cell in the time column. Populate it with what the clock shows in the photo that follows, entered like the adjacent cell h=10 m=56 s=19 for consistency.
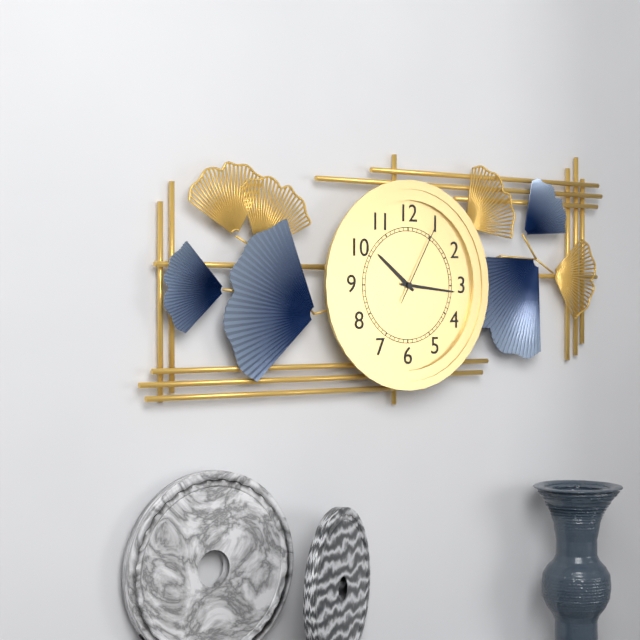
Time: h=10 m=16 s=5
